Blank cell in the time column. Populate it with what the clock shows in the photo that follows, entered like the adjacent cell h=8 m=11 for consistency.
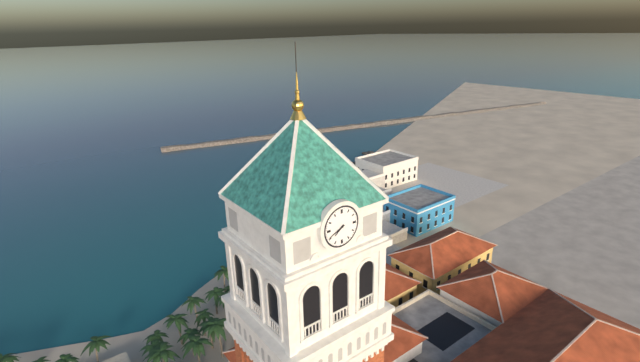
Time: h=7 m=41
